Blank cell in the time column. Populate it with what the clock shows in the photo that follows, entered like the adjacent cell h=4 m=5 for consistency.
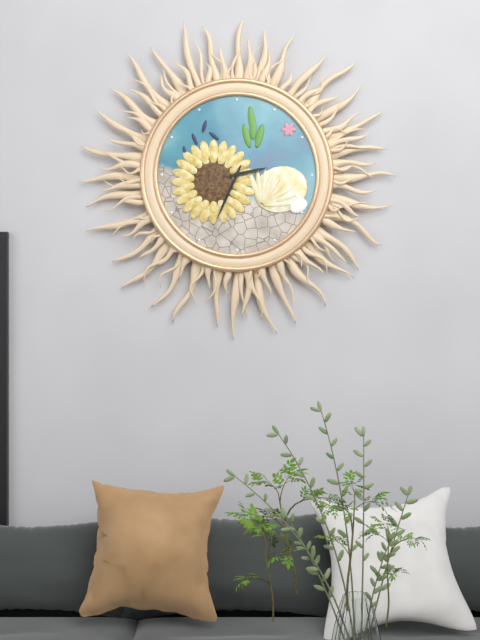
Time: h=2 m=34
